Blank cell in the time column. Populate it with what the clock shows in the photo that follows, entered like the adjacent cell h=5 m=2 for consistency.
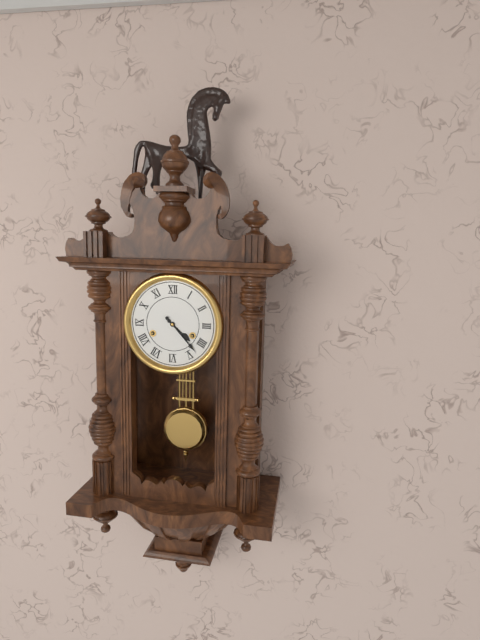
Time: h=4 m=23
